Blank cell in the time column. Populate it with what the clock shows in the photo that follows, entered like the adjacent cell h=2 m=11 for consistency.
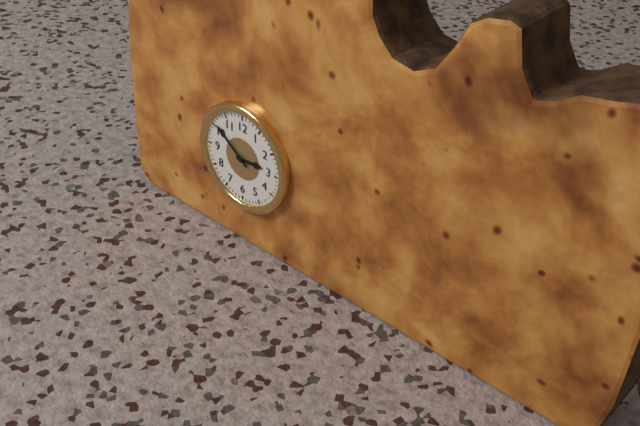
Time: h=2 m=51
